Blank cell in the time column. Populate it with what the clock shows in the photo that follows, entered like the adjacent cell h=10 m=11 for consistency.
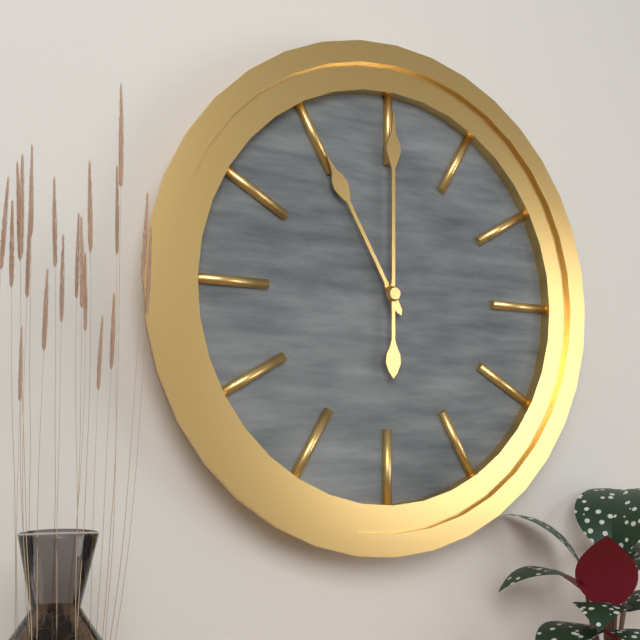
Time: h=11 m=0
